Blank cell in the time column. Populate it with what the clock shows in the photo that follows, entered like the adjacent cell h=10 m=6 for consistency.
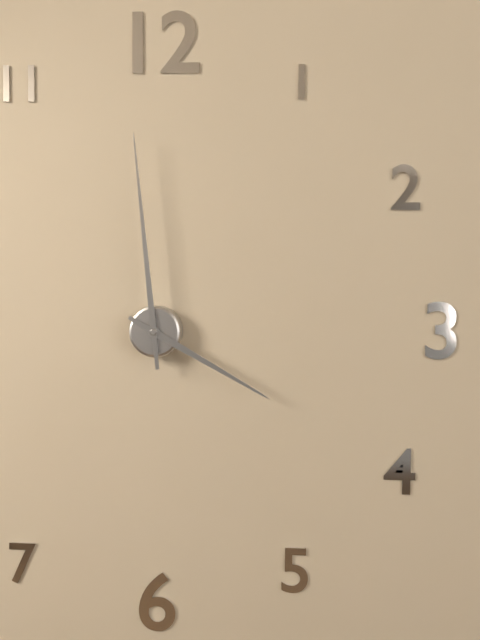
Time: h=3 m=59
